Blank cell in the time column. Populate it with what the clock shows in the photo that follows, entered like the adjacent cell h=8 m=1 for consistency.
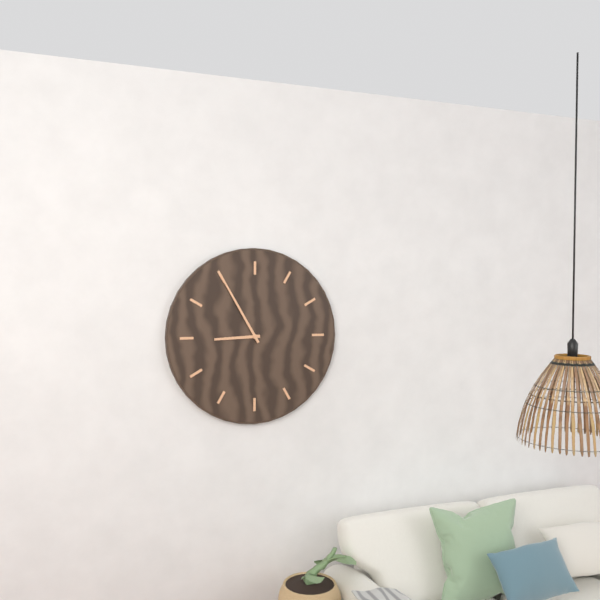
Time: h=8 m=55
